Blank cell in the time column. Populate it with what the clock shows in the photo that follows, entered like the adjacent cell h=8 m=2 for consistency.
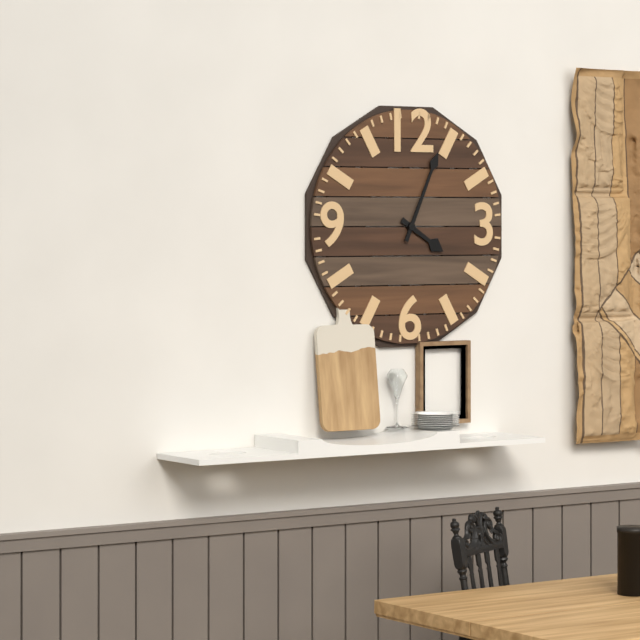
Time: h=4 m=4
